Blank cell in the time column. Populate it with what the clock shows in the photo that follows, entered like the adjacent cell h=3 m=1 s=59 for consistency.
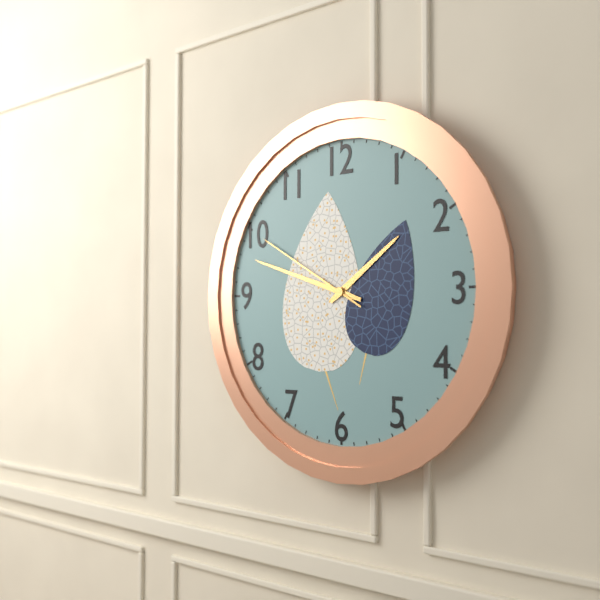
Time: h=1 m=48 s=50
